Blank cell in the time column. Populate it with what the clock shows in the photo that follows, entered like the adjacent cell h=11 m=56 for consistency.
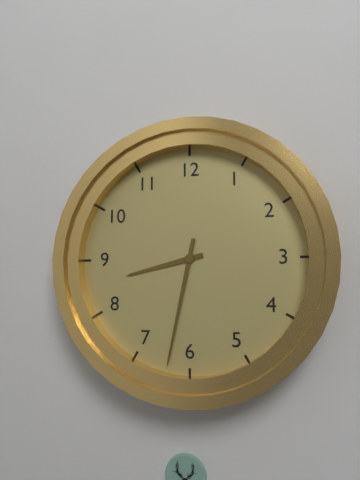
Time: h=8 m=32
